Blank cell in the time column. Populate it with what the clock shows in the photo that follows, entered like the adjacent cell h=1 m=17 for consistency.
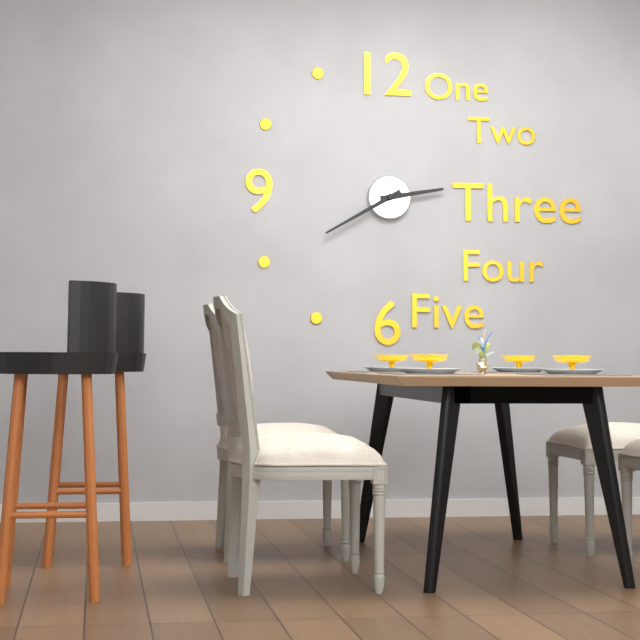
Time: h=2 m=40
